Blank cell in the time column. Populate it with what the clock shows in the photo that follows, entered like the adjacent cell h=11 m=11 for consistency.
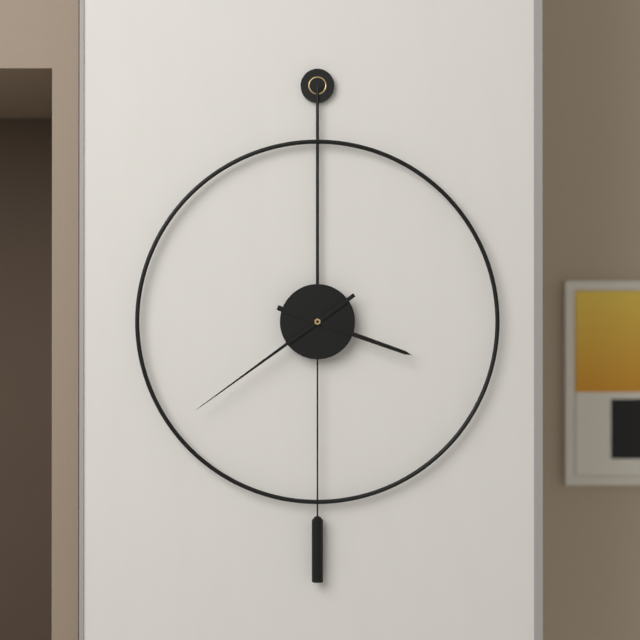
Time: h=3 m=39
